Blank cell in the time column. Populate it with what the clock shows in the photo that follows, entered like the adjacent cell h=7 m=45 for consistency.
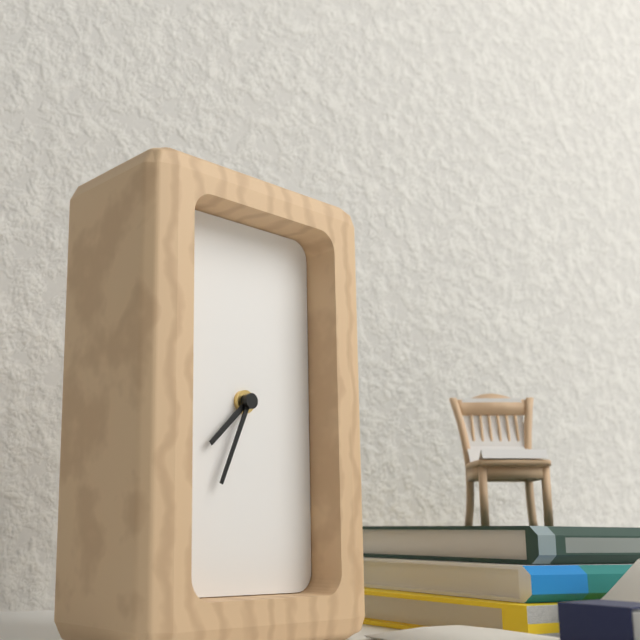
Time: h=7 m=34
